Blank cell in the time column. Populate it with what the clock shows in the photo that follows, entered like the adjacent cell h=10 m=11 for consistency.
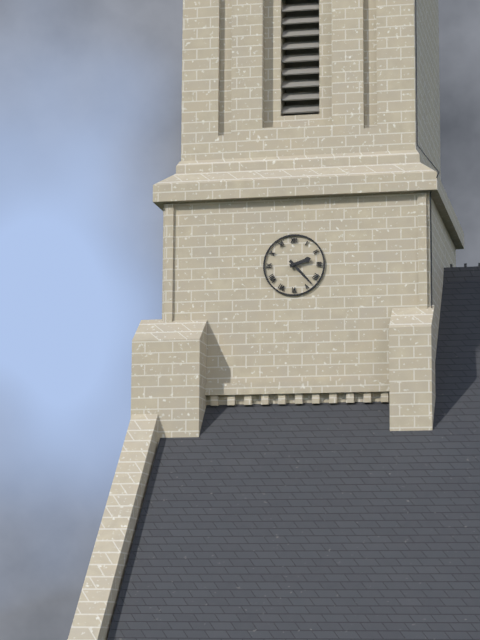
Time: h=2 m=23
